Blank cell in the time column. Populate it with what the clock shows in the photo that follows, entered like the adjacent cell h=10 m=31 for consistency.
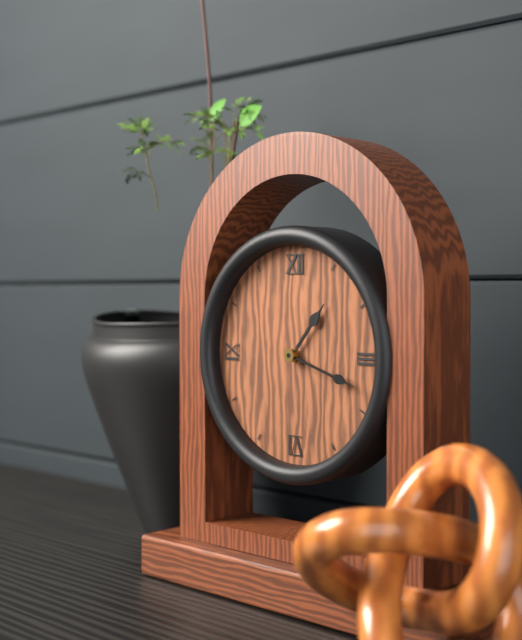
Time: h=1 m=18
